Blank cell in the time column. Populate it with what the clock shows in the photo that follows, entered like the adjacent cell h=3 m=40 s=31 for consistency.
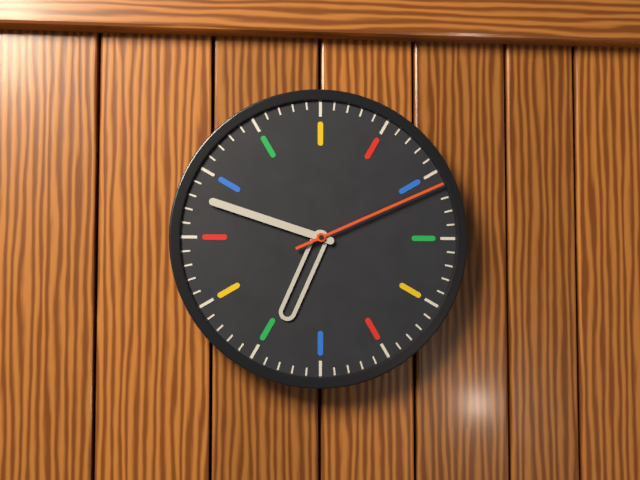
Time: h=6 m=48 s=11
